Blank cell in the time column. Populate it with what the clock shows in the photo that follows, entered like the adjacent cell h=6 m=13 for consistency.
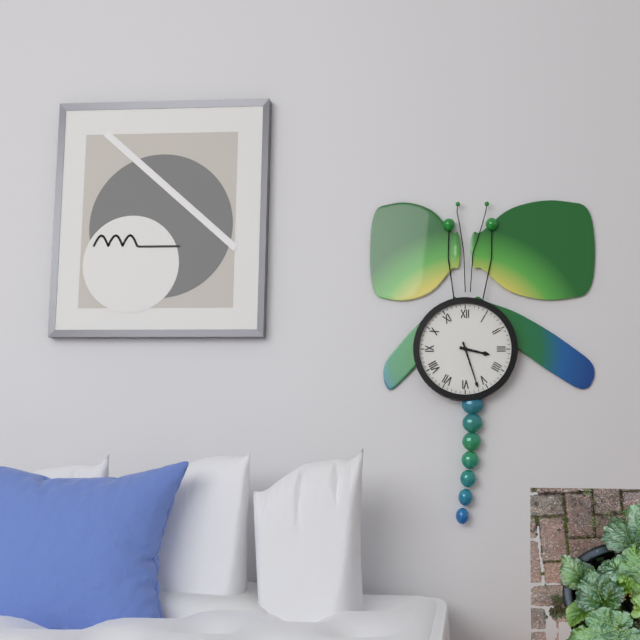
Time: h=3 m=27
